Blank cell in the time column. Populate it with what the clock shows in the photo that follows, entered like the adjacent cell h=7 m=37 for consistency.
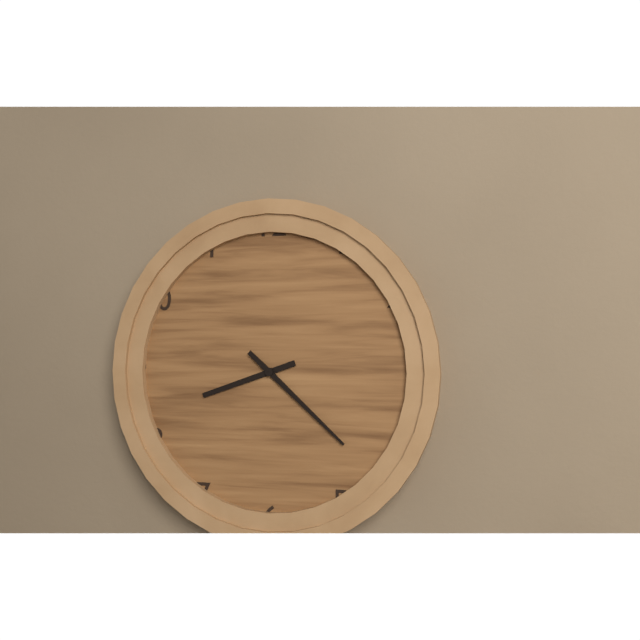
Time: h=8 m=22
